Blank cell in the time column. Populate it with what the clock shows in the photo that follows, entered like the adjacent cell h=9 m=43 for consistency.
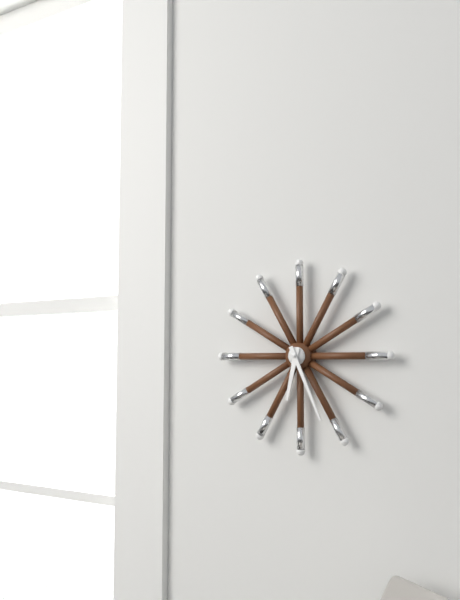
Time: h=6 m=26
